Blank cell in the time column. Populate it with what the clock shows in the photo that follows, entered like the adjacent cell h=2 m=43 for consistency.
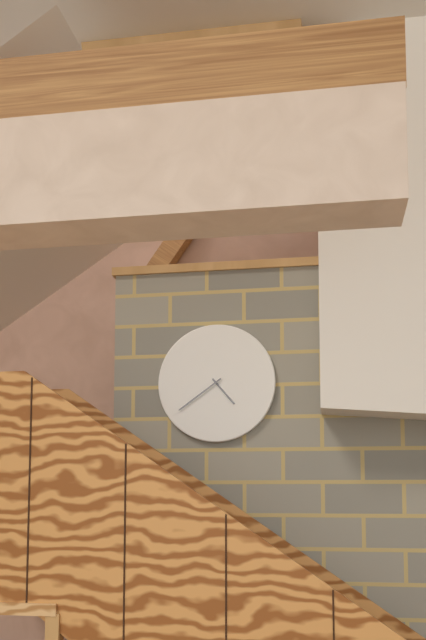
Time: h=4 m=39
